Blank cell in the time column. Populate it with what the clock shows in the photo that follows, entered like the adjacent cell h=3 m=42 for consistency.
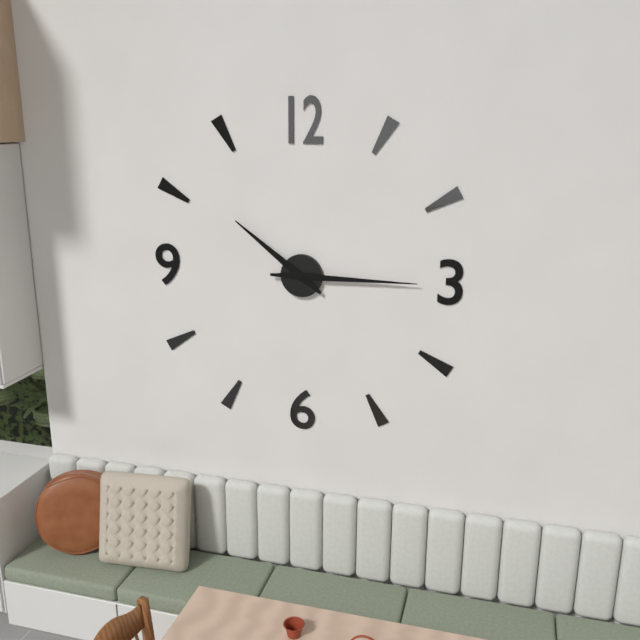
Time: h=10 m=15
